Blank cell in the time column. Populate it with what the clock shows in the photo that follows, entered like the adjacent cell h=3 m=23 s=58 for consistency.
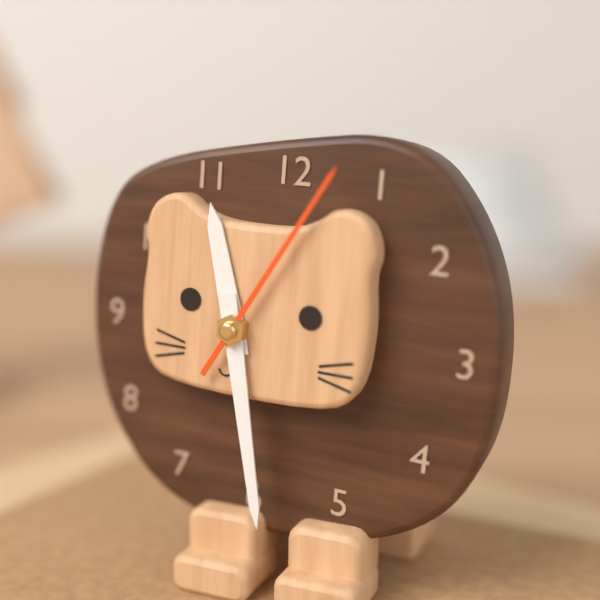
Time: h=11 m=28 s=5
